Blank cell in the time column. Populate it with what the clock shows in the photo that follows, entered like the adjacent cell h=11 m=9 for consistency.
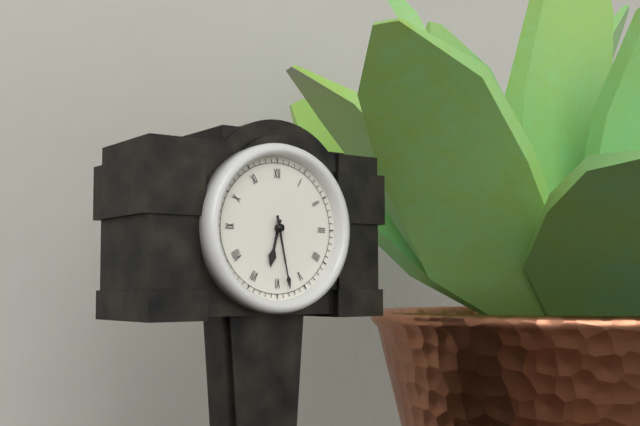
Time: h=6 m=28
